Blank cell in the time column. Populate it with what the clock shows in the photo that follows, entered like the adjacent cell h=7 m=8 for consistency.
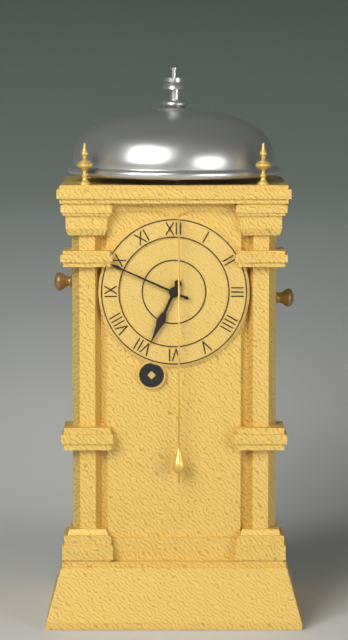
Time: h=6 m=49
